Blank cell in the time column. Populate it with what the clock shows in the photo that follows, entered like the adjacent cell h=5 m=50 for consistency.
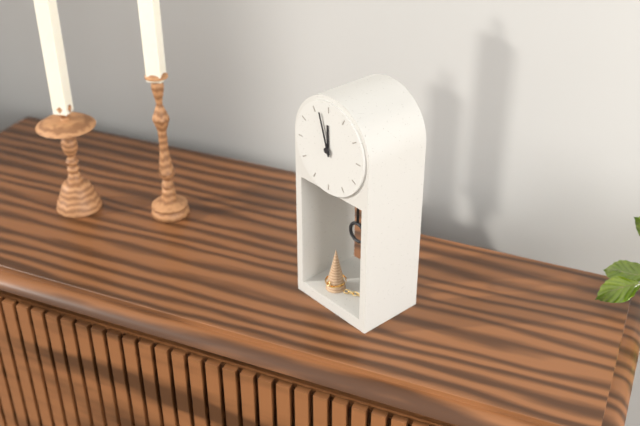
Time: h=11 m=57
